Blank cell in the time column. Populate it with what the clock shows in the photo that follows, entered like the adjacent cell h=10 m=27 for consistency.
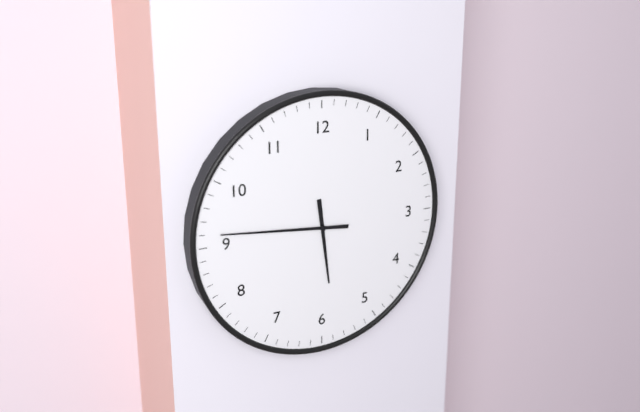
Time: h=5 m=46
